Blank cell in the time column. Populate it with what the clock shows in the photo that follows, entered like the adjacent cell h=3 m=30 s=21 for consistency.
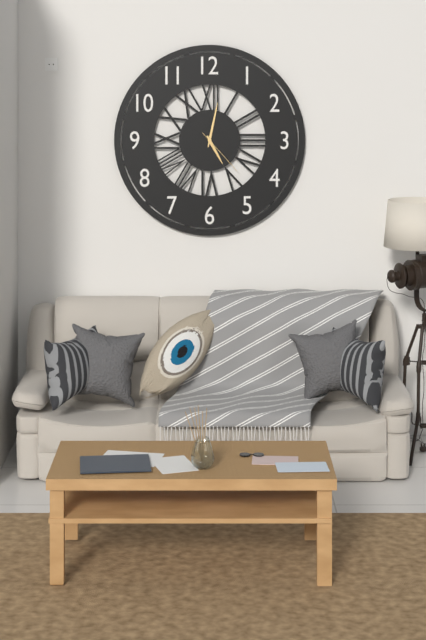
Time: h=5 m=2 s=23
